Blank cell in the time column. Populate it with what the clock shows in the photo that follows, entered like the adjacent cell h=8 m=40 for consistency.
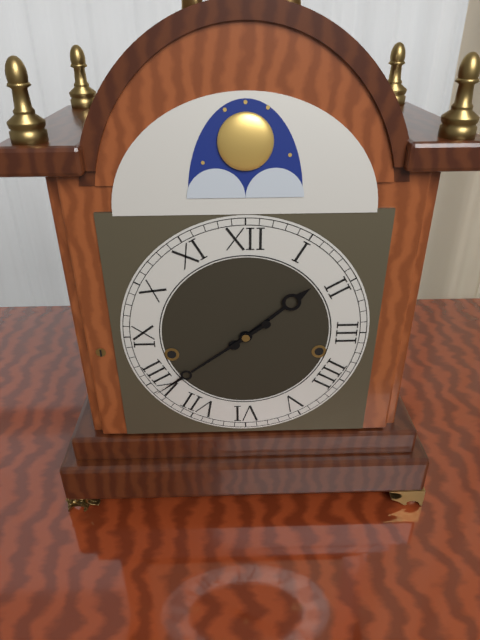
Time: h=1 m=39
